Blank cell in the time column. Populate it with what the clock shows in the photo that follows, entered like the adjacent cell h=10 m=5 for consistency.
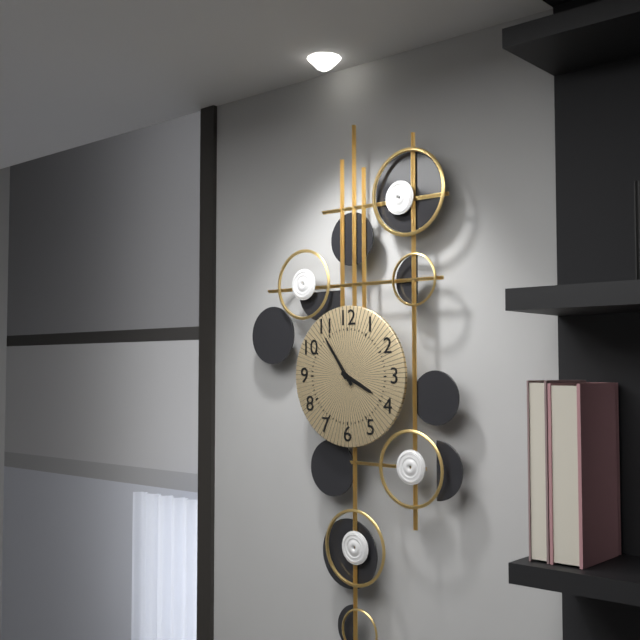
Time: h=3 m=54
